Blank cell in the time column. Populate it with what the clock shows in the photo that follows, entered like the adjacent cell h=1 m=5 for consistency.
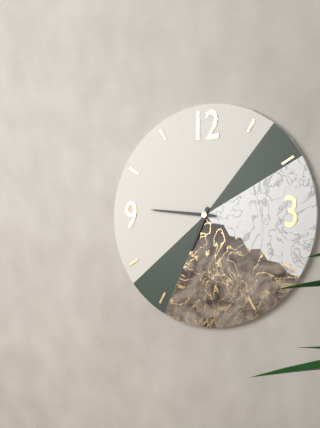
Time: h=6 m=46
